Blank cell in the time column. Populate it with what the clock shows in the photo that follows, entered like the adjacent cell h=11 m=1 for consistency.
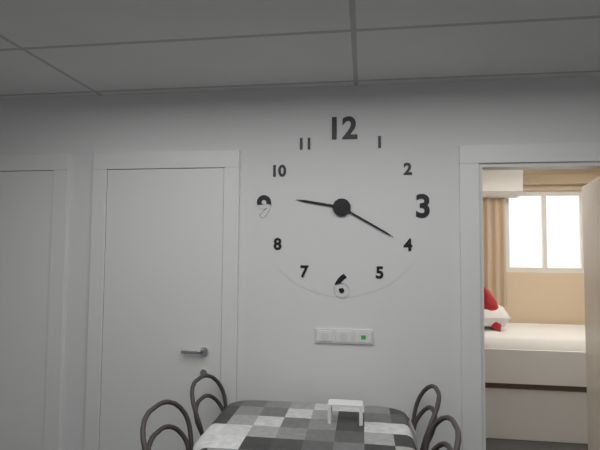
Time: h=9 m=20
